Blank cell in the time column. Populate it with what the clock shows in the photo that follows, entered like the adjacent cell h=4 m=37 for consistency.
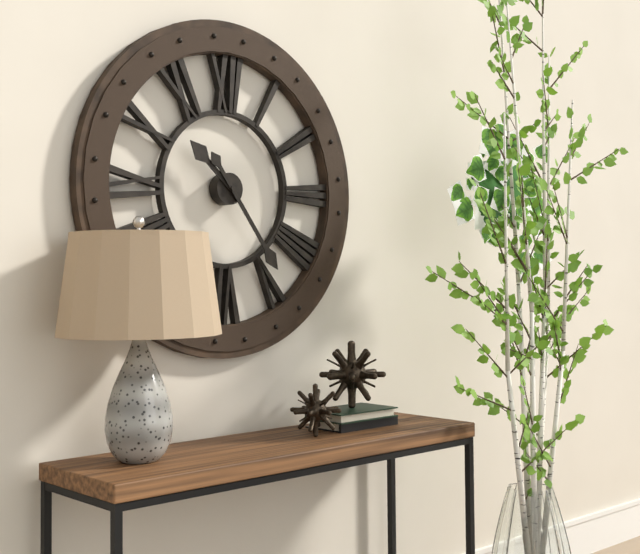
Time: h=10 m=24
